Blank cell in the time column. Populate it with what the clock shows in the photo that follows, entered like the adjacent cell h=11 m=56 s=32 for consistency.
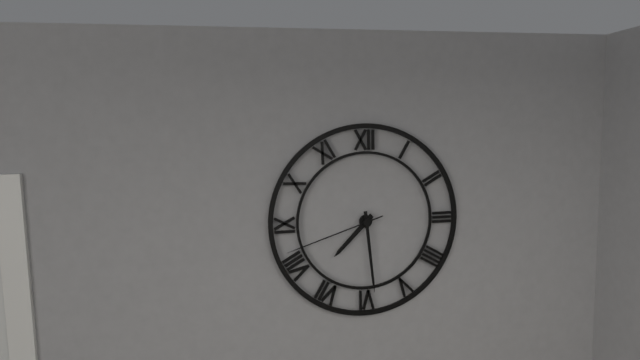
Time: h=7 m=29 s=42
